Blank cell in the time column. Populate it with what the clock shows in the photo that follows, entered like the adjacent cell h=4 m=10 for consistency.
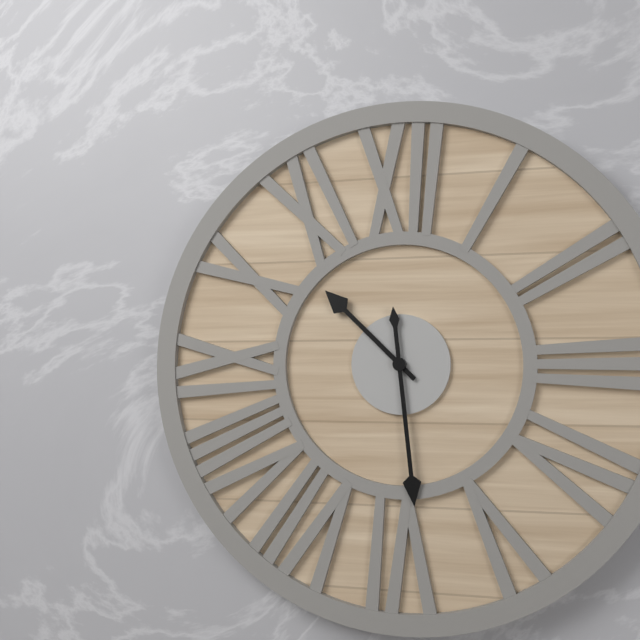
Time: h=10 m=29
